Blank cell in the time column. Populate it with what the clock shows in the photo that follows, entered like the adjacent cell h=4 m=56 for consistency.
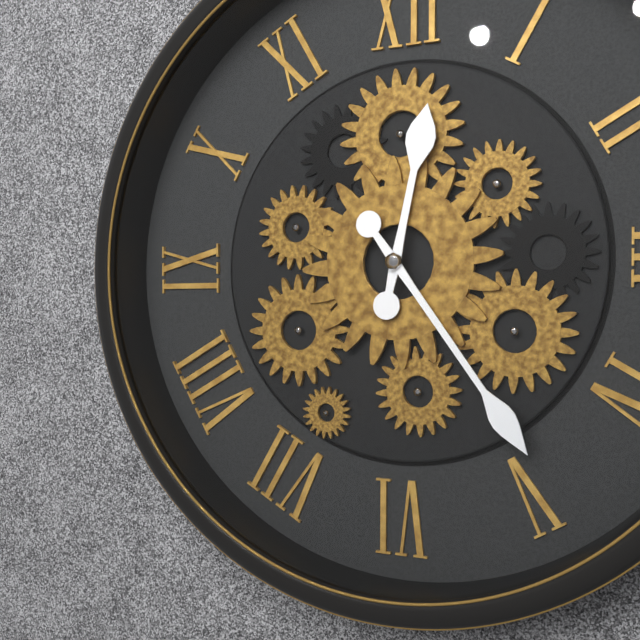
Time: h=12 m=24
